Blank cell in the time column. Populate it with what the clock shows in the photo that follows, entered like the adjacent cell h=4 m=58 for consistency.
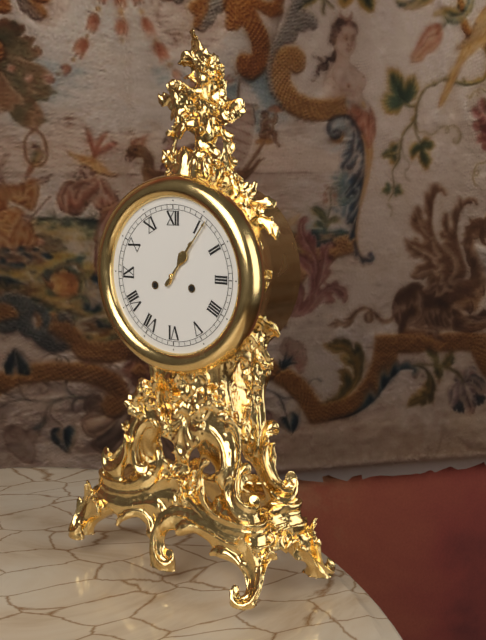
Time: h=1 m=6
